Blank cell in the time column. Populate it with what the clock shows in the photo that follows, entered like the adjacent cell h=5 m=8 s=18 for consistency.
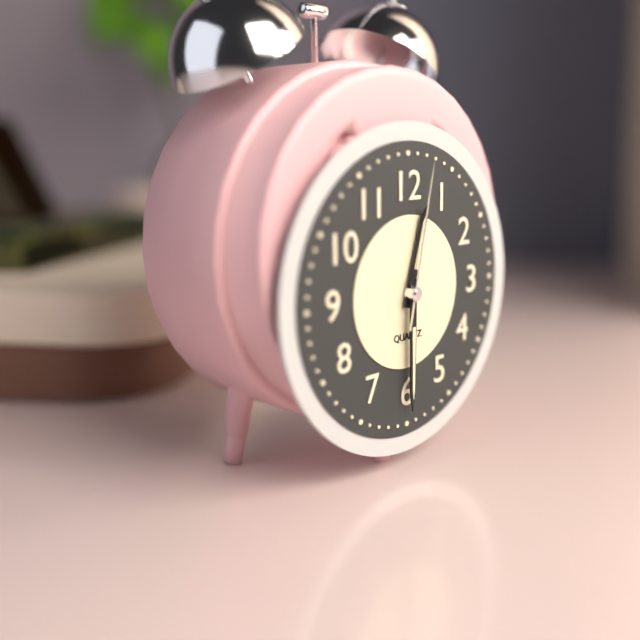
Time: h=12 m=30 s=2
